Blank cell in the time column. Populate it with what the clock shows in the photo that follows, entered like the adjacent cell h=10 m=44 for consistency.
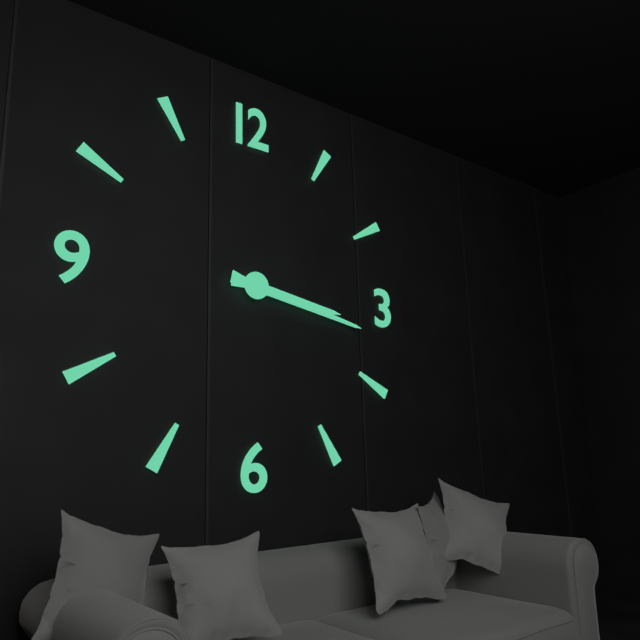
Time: h=3 m=17
